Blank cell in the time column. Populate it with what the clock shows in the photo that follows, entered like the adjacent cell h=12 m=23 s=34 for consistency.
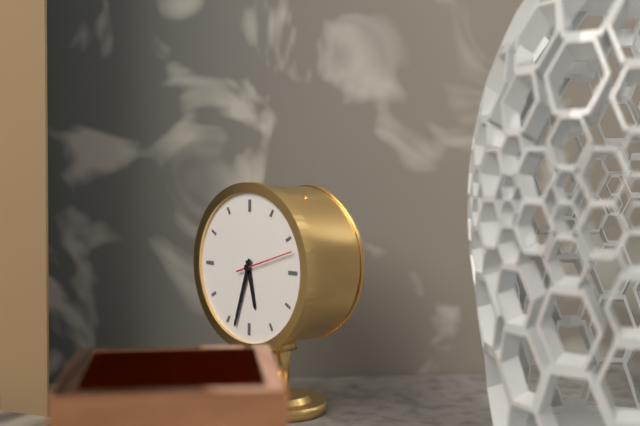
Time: h=5 m=33 s=12
